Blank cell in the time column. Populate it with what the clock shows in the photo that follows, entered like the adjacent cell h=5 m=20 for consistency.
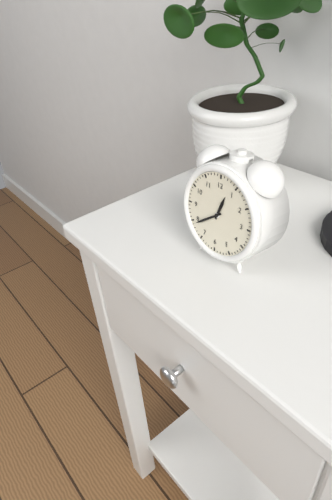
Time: h=12 m=39
